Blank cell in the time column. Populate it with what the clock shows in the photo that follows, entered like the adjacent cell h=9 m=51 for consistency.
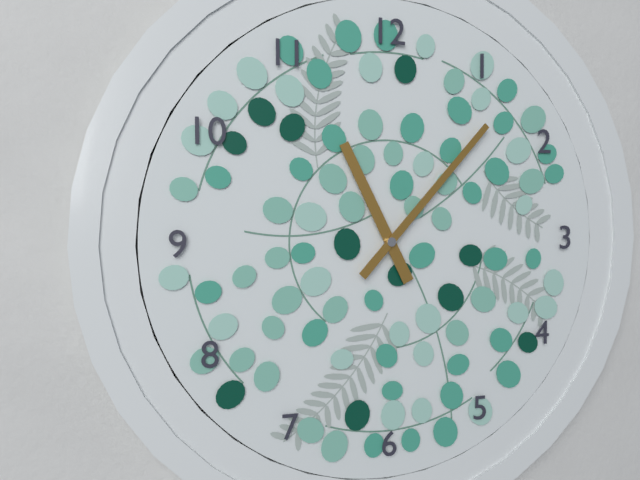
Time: h=11 m=7
